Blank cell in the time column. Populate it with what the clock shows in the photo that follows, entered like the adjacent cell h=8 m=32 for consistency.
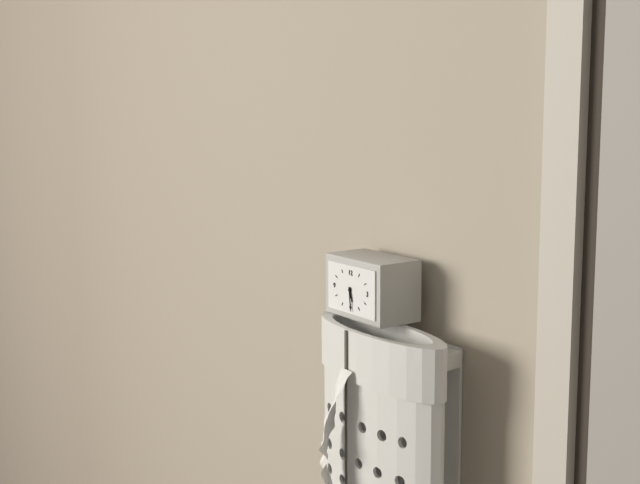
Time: h=5 m=29
